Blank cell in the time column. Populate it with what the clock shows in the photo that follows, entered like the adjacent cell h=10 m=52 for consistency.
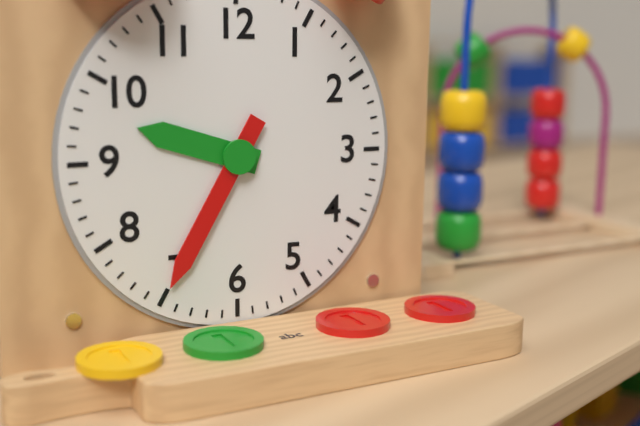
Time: h=9 m=35
